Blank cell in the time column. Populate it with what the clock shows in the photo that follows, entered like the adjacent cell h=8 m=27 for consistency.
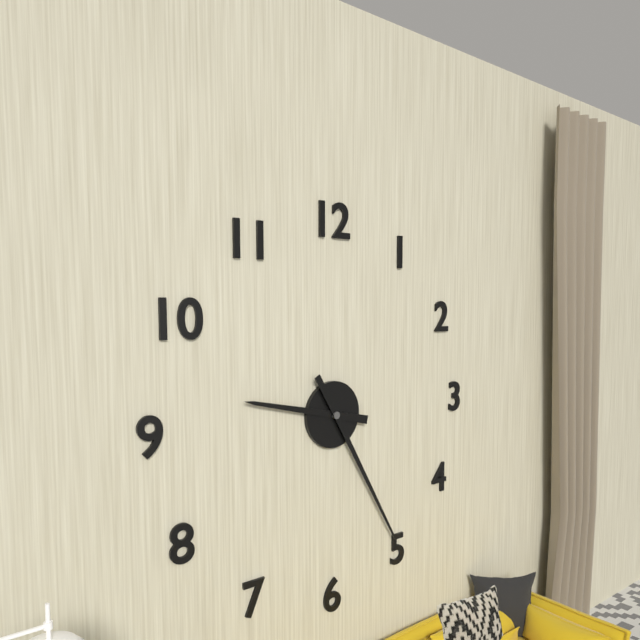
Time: h=9 m=25
